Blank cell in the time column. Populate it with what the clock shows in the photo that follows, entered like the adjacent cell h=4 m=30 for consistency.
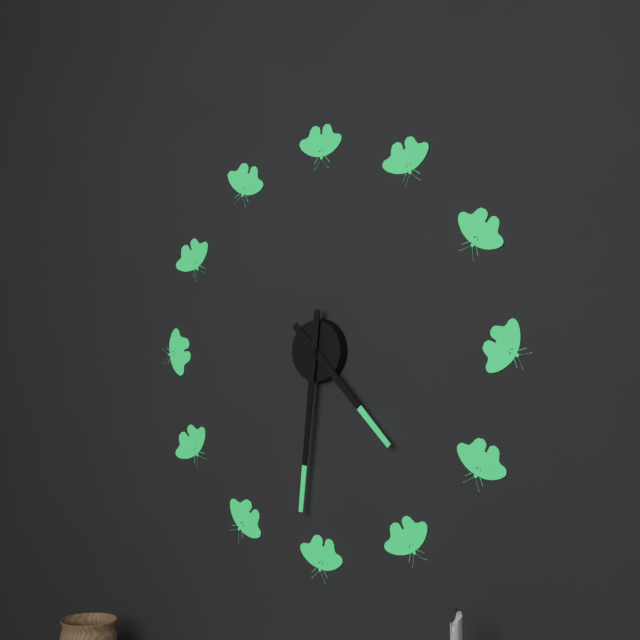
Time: h=4 m=31
